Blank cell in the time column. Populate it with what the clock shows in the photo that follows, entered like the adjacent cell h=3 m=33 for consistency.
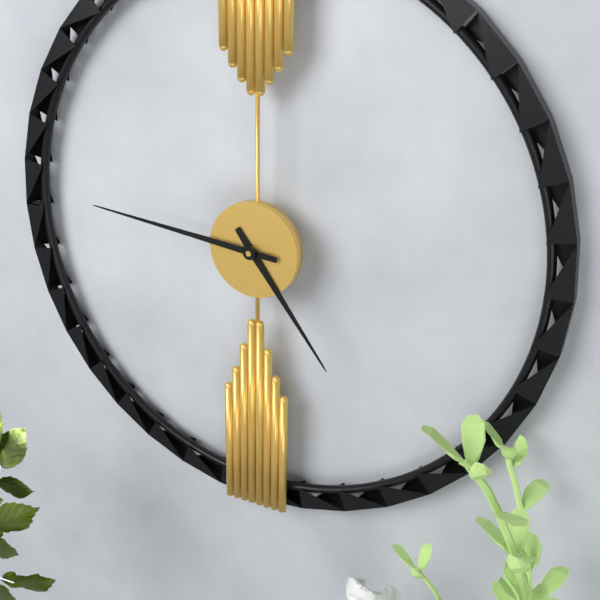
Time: h=4 m=46
